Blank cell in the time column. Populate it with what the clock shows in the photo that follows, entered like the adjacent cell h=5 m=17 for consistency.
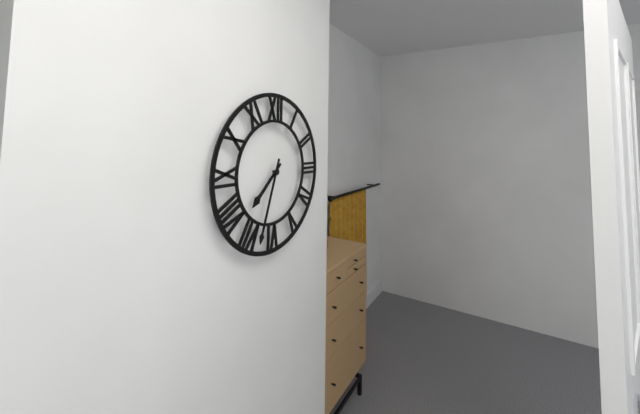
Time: h=7 m=33
